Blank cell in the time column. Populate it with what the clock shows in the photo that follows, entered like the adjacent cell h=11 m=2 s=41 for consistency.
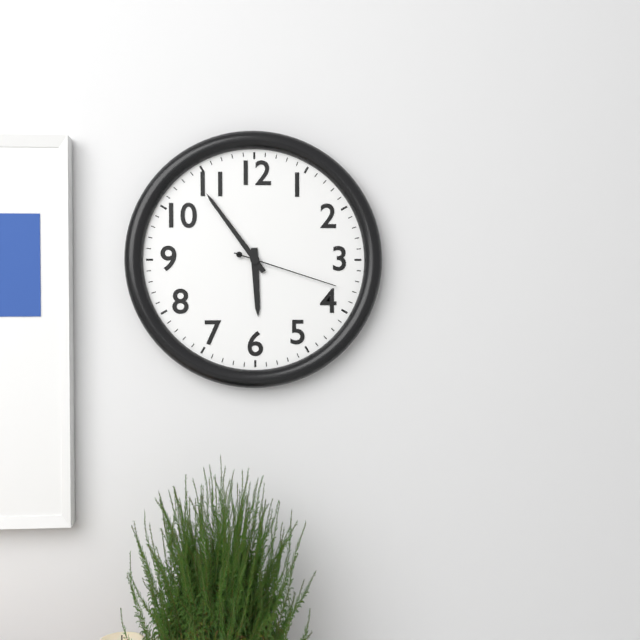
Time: h=5 m=54 s=18
